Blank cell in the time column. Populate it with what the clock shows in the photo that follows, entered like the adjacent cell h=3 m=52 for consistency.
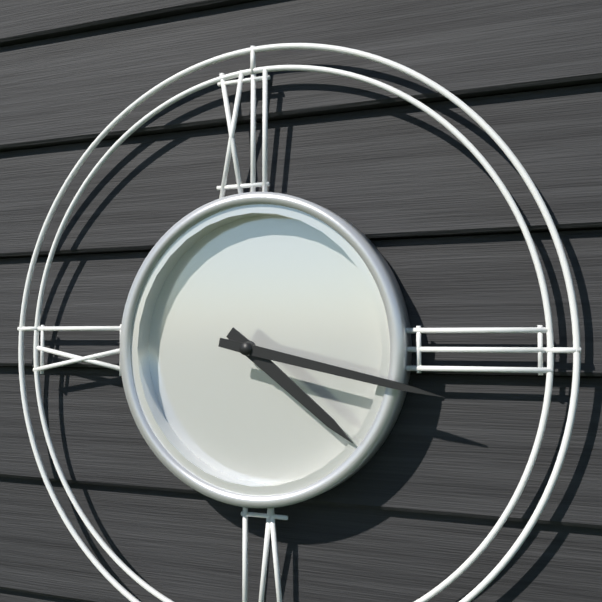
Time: h=4 m=17
